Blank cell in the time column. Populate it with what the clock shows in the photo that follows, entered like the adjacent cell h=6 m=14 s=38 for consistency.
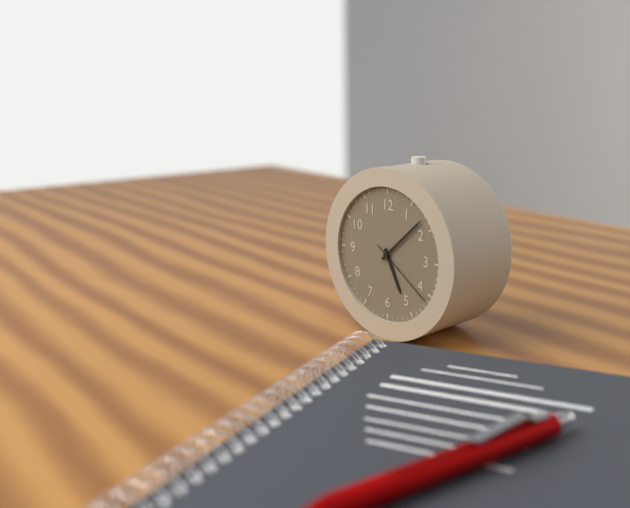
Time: h=5 m=8 s=21
